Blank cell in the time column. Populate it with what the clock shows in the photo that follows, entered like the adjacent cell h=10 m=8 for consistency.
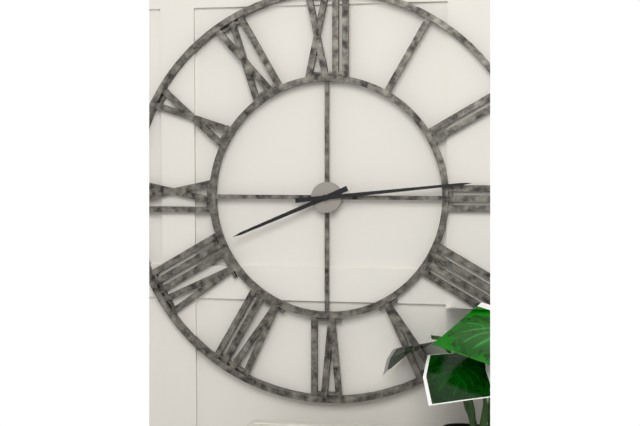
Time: h=8 m=14
